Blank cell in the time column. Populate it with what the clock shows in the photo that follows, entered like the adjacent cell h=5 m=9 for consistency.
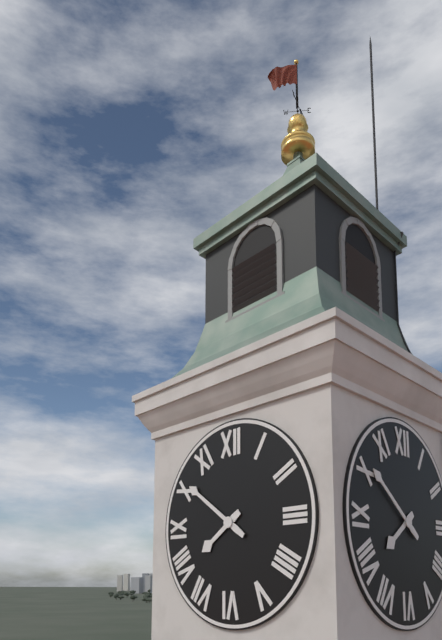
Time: h=7 m=51
